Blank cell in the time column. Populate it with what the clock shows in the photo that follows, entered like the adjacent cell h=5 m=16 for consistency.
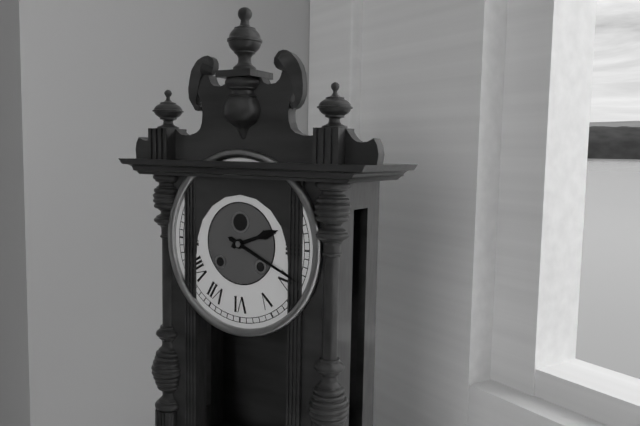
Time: h=2 m=19
